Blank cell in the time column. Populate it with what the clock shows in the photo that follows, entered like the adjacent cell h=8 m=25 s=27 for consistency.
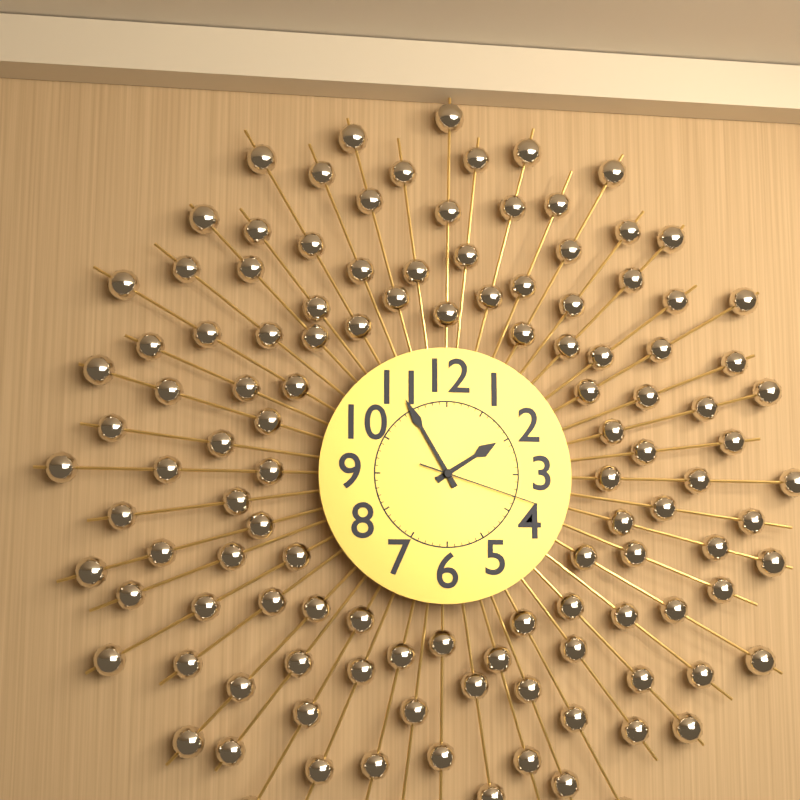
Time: h=1 m=55 s=18
